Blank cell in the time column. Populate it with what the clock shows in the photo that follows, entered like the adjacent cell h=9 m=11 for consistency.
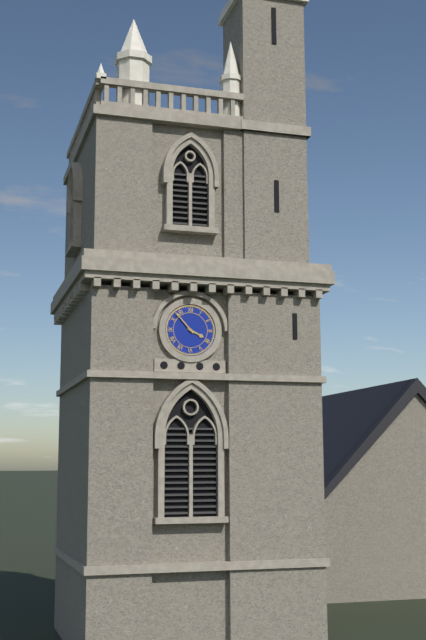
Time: h=3 m=53
